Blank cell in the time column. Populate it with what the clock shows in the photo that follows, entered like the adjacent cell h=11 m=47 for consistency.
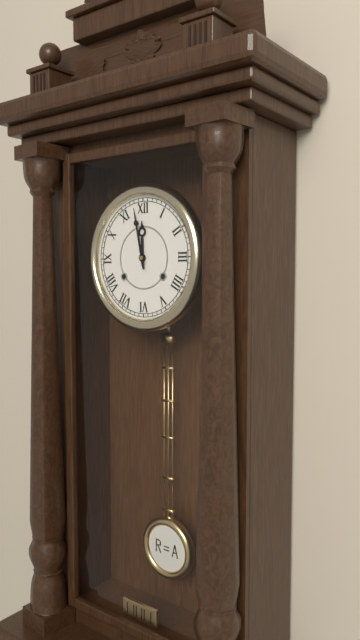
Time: h=11 m=58
